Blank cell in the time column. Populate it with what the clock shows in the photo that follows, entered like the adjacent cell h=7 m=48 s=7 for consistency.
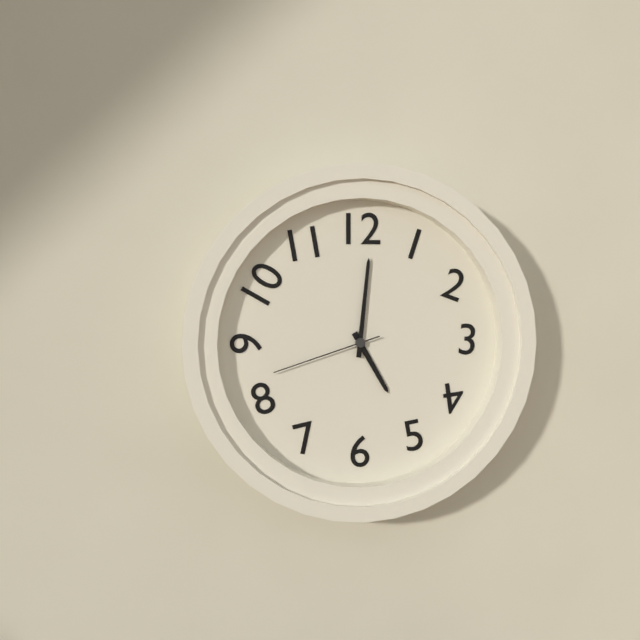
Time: h=5 m=1 s=42
